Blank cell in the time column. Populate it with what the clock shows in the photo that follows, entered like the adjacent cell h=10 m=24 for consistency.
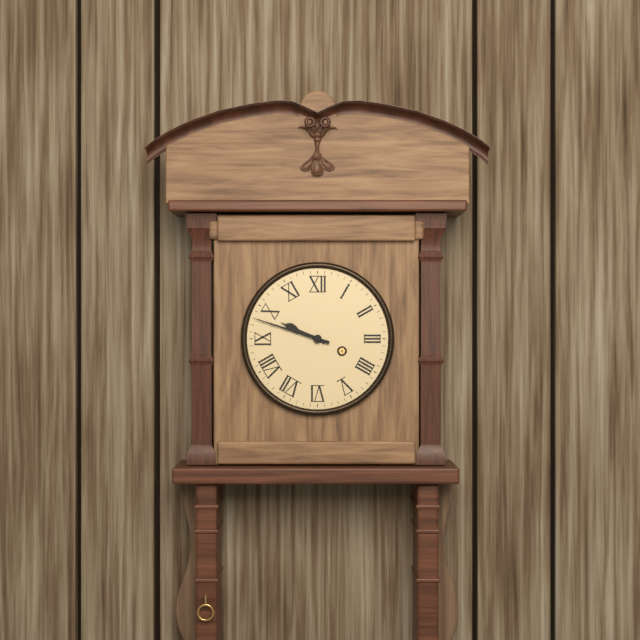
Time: h=9 m=48
